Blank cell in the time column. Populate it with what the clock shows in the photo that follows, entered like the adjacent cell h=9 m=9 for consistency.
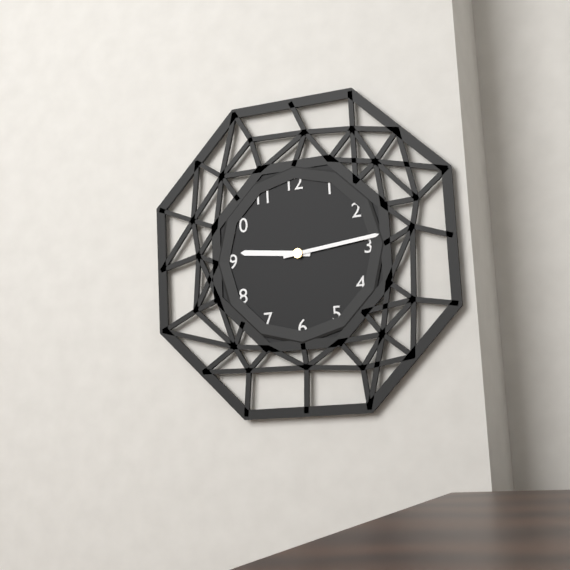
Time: h=9 m=14
